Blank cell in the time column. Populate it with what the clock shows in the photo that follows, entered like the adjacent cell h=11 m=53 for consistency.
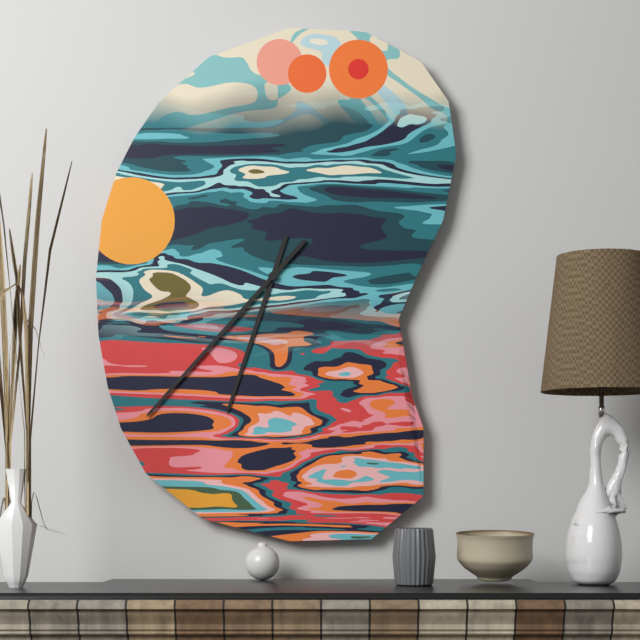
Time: h=6 m=37
